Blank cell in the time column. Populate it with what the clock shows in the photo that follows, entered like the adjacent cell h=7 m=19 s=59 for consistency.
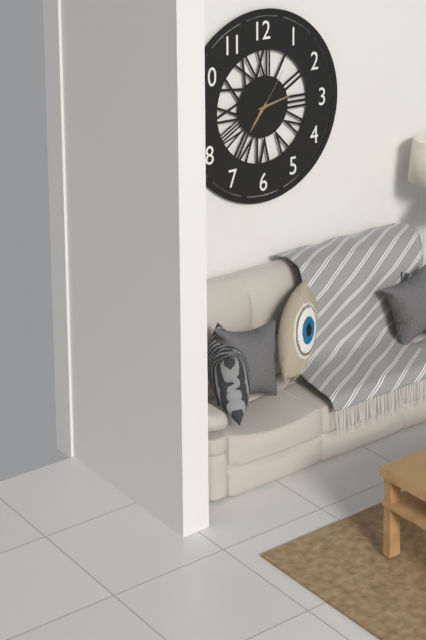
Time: h=7 m=13 s=6
